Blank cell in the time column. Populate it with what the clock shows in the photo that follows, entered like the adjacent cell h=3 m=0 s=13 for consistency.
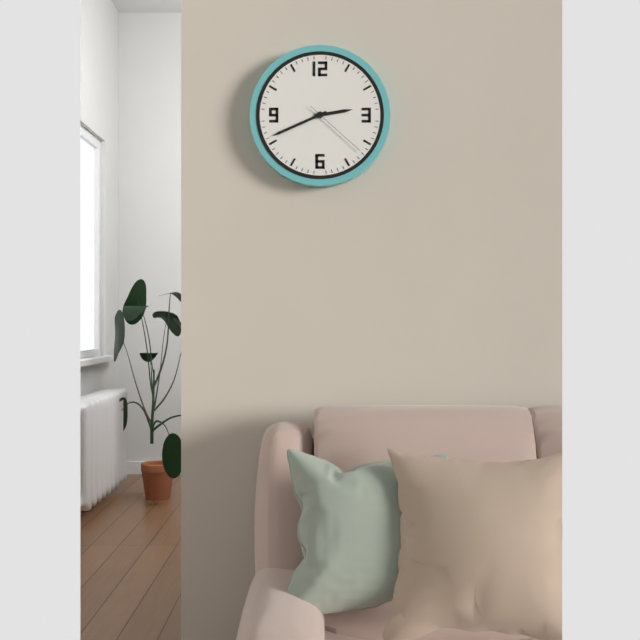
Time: h=2 m=41 s=22
